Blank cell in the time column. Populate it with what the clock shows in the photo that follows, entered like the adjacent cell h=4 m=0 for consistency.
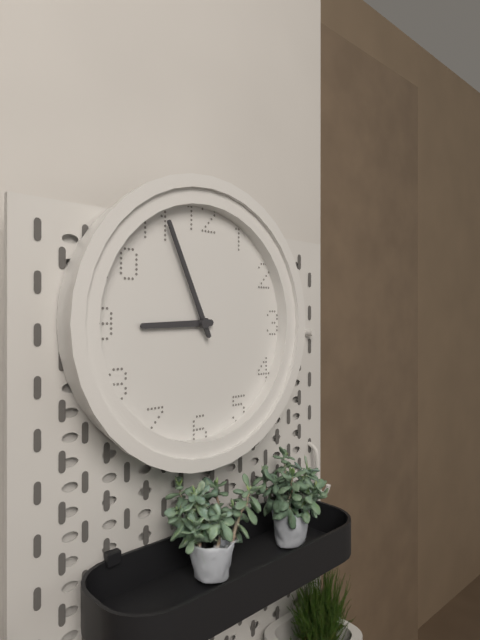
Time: h=8 m=56
